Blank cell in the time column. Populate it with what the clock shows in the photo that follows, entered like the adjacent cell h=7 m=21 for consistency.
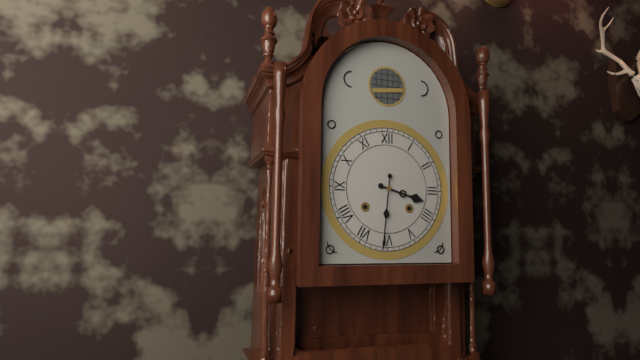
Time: h=3 m=31
